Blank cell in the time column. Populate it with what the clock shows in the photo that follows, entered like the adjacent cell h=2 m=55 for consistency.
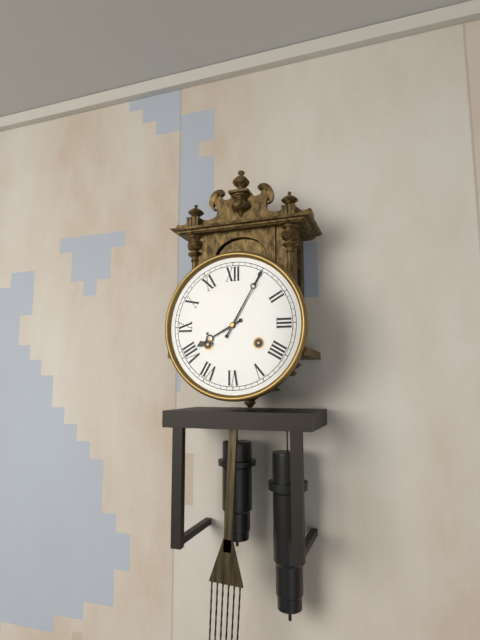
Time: h=8 m=5
